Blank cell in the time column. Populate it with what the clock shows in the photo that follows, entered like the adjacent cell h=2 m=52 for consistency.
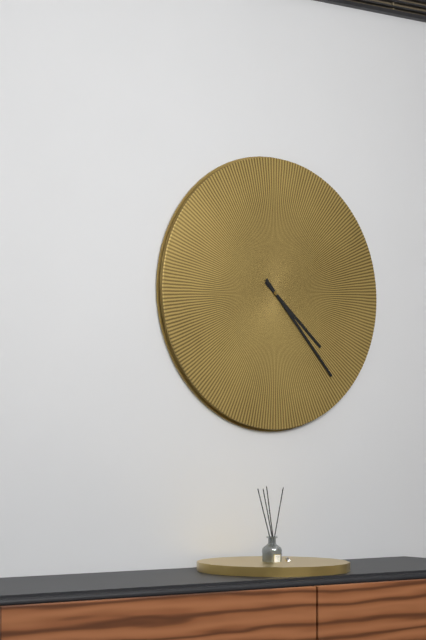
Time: h=4 m=23
